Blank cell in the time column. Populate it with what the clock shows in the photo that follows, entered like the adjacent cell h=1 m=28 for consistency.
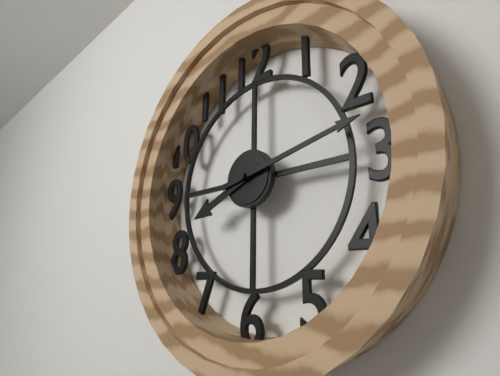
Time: h=8 m=13
